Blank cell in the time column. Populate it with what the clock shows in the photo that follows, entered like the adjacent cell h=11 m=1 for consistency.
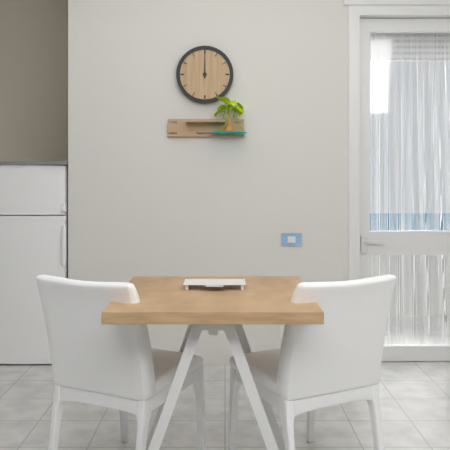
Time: h=12 m=0
